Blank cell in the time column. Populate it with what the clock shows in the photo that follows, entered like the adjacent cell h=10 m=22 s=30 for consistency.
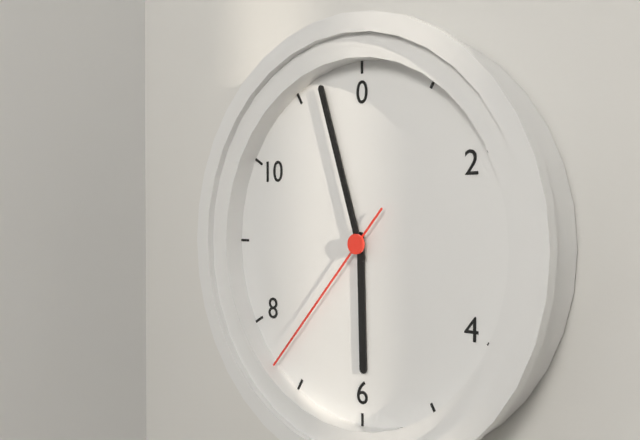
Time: h=5 m=57 s=37
